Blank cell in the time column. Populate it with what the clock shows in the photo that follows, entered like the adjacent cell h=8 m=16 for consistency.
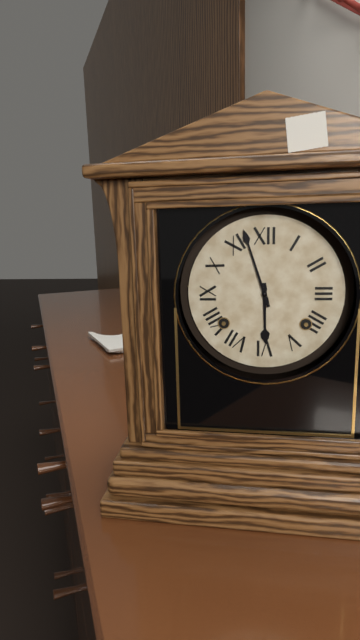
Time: h=5 m=57
